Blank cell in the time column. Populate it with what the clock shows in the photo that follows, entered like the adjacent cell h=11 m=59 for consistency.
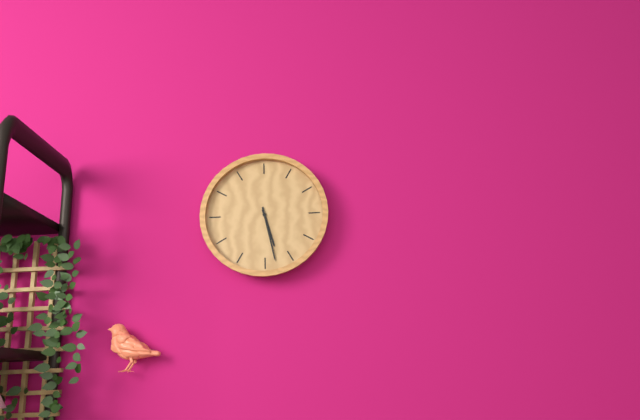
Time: h=5 m=28
